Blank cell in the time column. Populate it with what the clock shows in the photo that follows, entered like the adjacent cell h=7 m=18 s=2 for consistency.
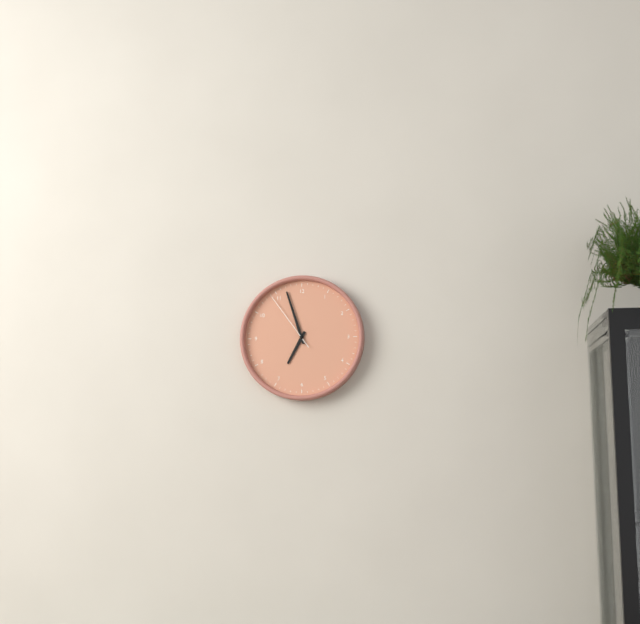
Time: h=6 m=57 s=54
